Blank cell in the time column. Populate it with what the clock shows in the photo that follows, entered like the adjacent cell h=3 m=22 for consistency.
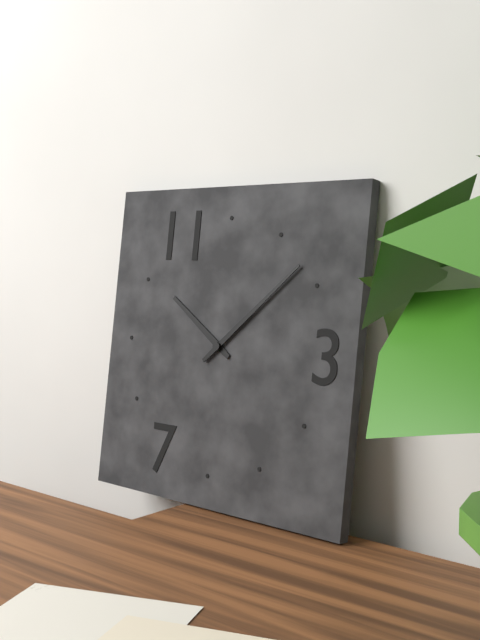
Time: h=10 m=8
